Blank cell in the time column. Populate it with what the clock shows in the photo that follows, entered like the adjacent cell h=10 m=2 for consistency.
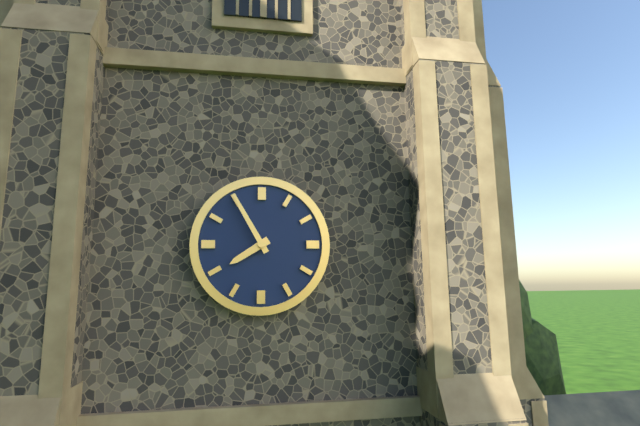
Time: h=7 m=55
